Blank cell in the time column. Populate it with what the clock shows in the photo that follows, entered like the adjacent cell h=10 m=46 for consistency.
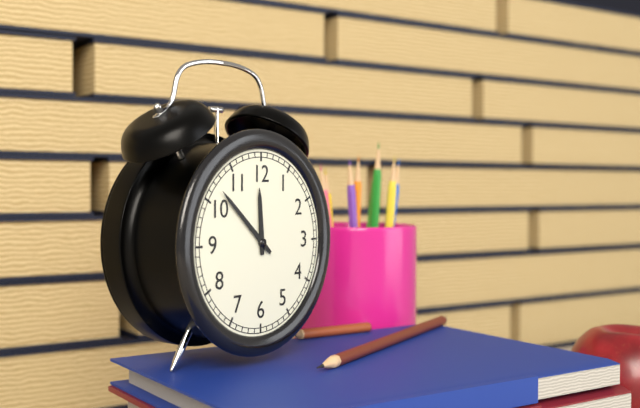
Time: h=11 m=52
